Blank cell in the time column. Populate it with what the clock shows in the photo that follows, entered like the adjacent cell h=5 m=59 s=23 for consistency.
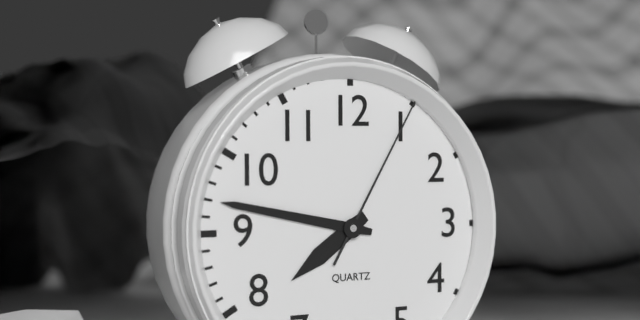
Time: h=7 m=47 s=5
